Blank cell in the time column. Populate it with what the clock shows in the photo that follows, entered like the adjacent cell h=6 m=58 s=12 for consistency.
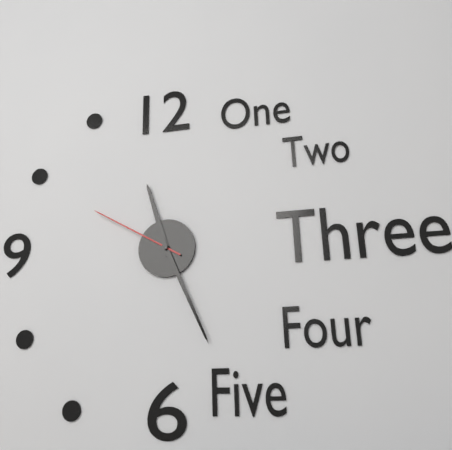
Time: h=11 m=26 s=50
